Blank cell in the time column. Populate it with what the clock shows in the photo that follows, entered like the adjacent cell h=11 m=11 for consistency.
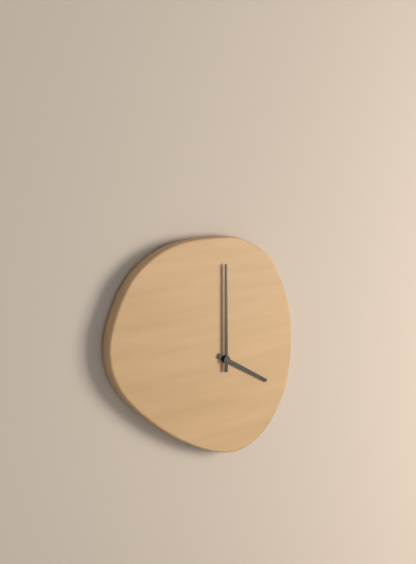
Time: h=4 m=0
